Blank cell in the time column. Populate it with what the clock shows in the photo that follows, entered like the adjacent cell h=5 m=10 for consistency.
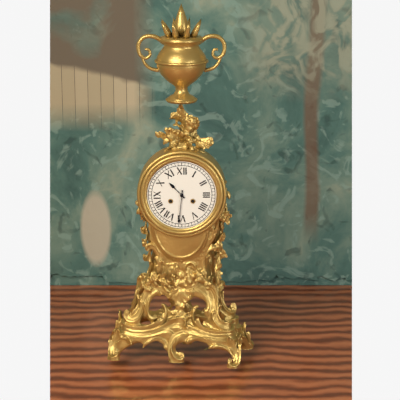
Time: h=10 m=31
